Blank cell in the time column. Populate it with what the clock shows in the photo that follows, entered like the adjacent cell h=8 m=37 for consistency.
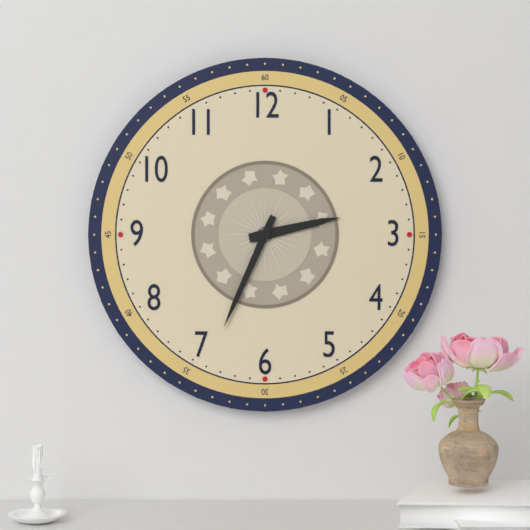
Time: h=2 m=34
